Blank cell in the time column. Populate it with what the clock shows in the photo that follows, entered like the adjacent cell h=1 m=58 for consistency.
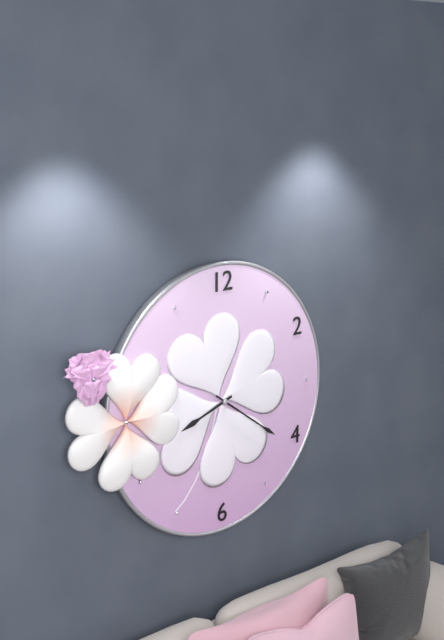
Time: h=8 m=21
